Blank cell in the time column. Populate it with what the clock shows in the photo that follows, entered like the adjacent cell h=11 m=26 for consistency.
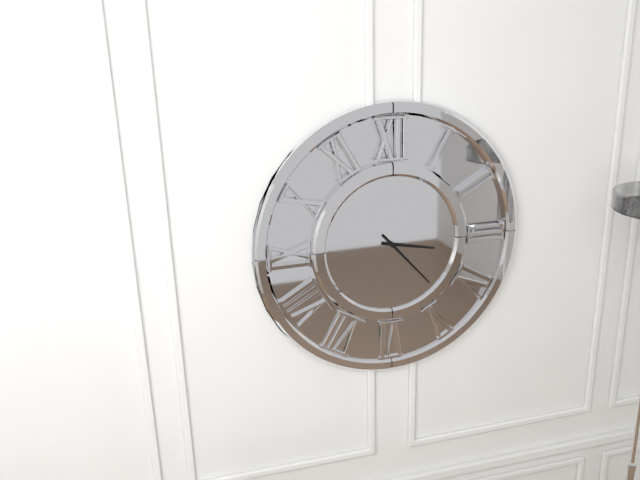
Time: h=3 m=23
